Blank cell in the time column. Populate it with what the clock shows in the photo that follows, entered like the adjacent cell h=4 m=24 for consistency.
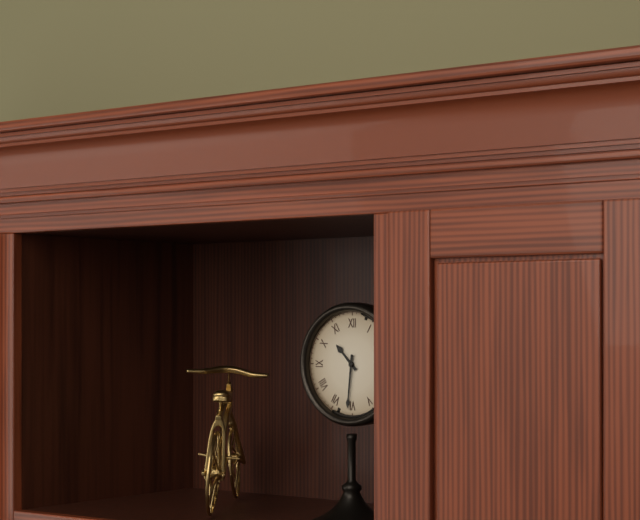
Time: h=10 m=31
